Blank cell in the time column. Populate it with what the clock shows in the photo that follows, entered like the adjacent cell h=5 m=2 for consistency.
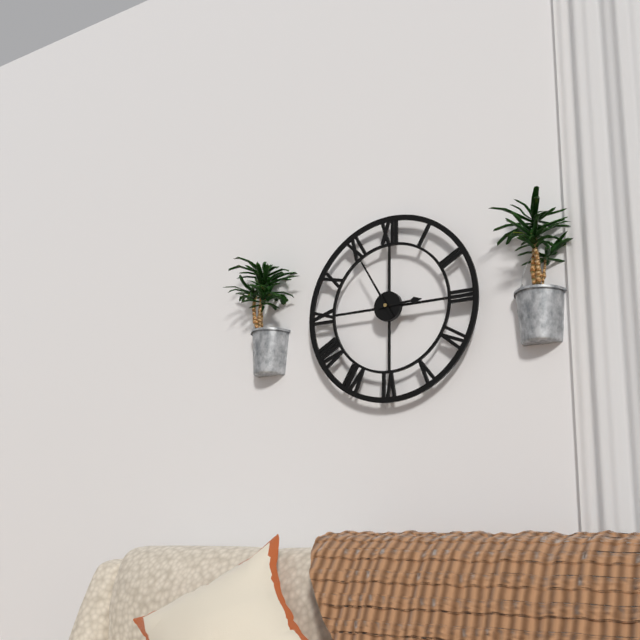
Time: h=2 m=55
